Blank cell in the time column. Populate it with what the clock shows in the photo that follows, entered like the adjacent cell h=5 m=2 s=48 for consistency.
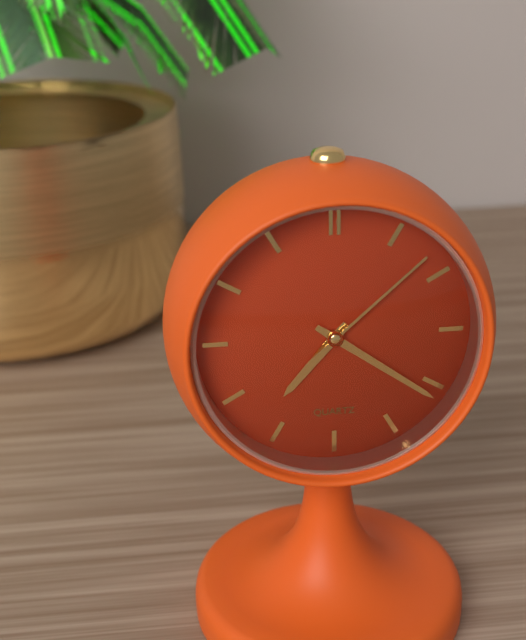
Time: h=7 m=21 s=8
